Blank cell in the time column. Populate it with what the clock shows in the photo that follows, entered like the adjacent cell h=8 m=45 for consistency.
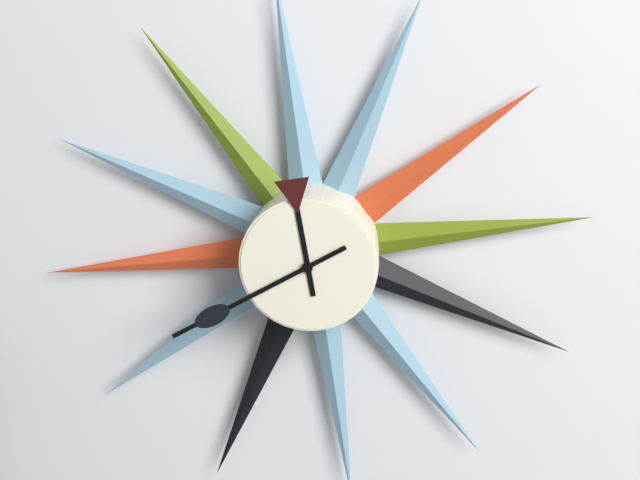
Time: h=11 m=40
